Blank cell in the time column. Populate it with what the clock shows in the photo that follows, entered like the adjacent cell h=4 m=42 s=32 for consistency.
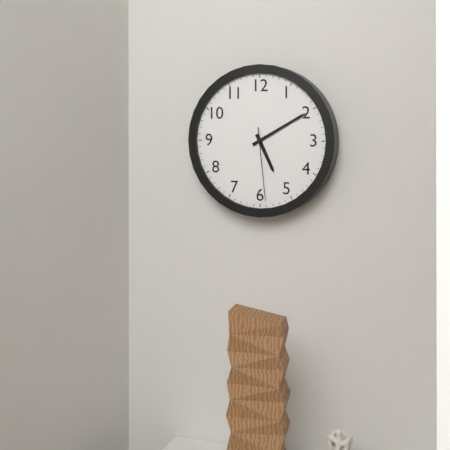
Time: h=5 m=10 s=29
